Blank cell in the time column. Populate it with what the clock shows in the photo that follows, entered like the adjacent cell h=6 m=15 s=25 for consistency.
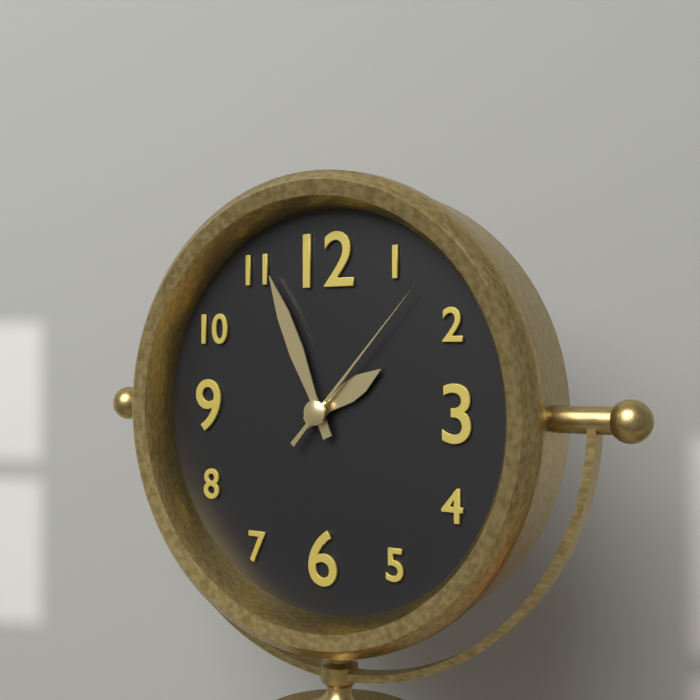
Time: h=1 m=56 s=7
